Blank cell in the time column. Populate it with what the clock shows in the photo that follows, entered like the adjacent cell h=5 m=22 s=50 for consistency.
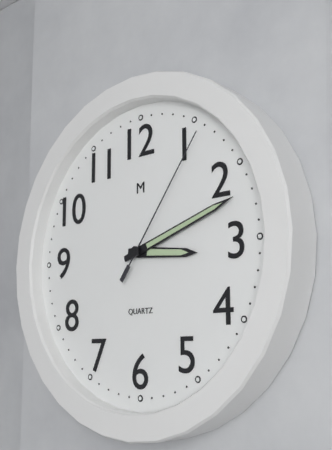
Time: h=3 m=12 s=6
